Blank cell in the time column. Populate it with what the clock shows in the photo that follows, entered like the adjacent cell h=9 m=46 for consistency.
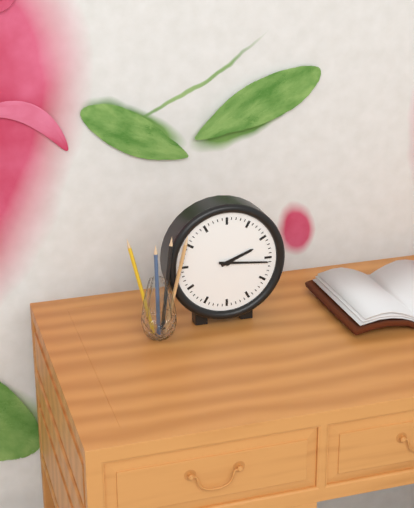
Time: h=2 m=16
